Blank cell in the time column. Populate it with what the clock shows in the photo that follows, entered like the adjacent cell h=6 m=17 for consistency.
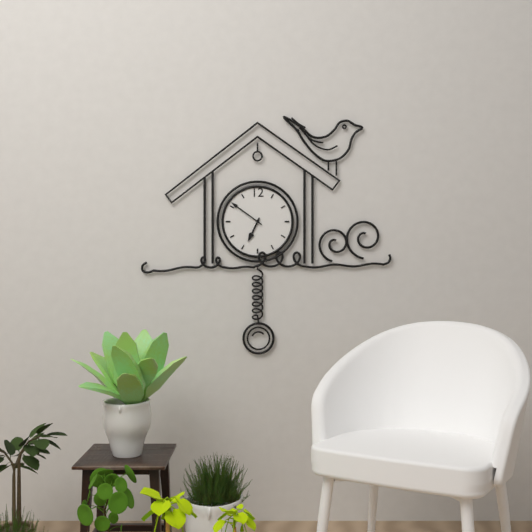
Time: h=6 m=51
